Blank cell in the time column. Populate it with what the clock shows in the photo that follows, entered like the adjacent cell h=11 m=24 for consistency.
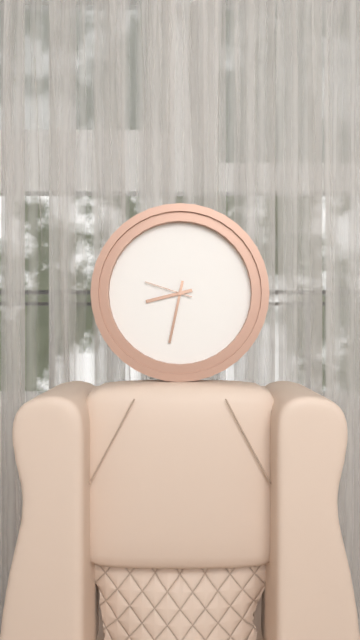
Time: h=8 m=32
